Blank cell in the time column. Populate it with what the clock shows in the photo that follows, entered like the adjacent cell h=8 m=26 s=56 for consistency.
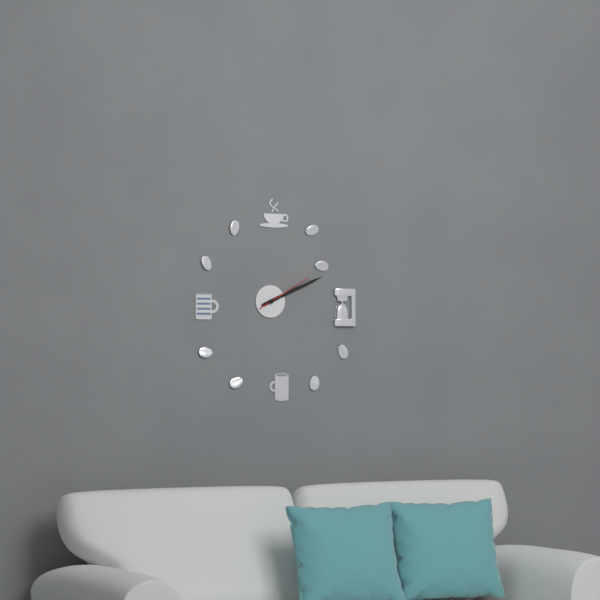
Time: h=2 m=11 s=10
